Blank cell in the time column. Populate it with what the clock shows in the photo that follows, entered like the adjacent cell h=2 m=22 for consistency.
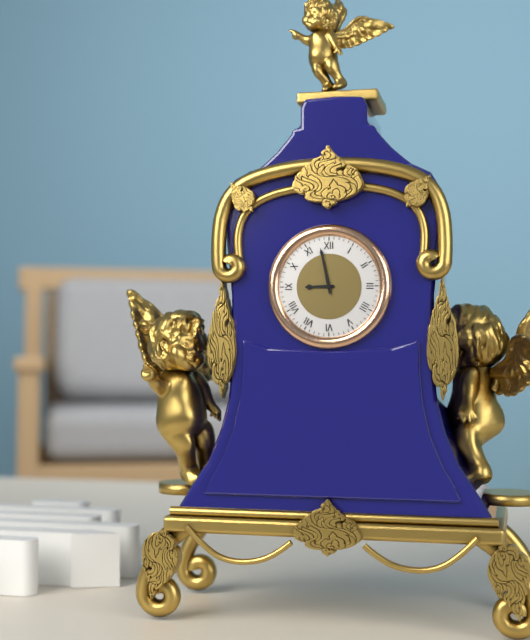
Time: h=8 m=58
